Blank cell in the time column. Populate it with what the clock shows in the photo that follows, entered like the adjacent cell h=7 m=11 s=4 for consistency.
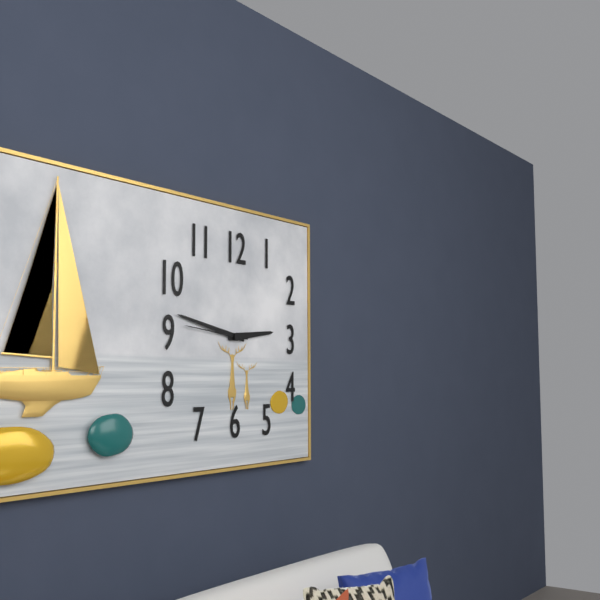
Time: h=2 m=47 s=46
